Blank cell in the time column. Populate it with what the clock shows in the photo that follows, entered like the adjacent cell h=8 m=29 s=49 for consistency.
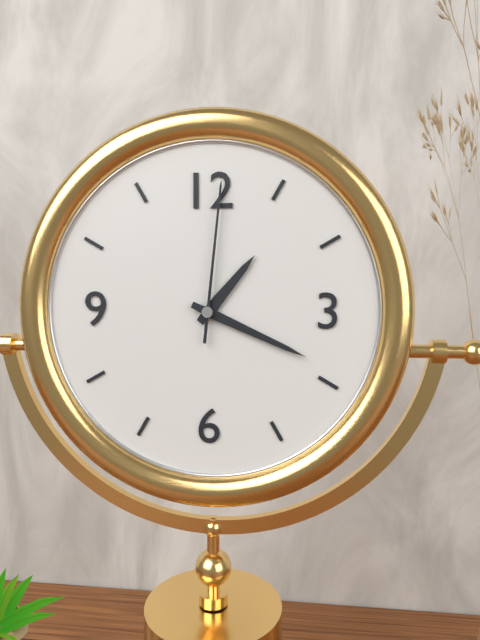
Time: h=1 m=19 s=1
